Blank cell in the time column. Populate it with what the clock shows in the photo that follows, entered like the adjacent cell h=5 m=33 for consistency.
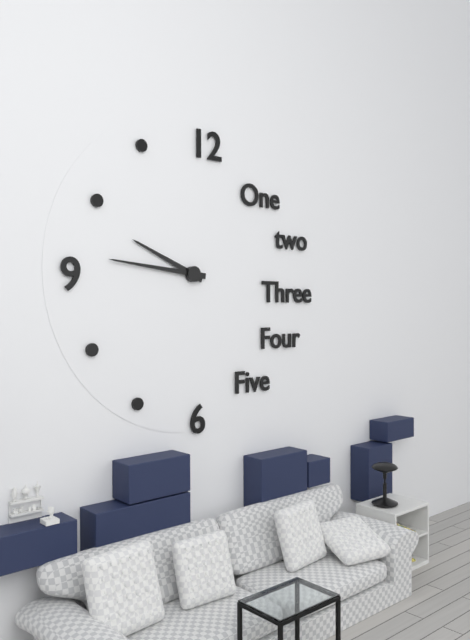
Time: h=9 m=46
